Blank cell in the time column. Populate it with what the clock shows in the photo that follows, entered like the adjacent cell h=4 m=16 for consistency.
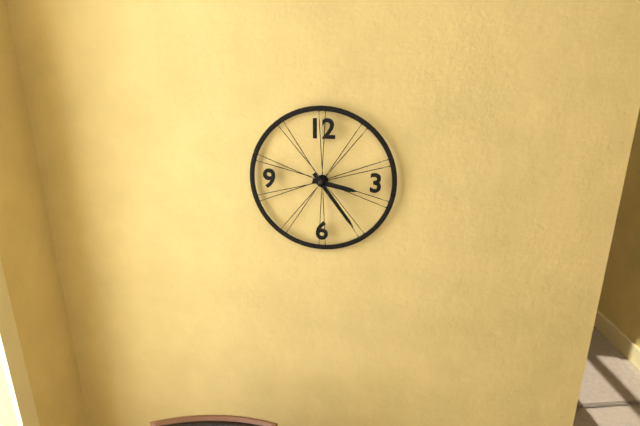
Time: h=3 m=24
